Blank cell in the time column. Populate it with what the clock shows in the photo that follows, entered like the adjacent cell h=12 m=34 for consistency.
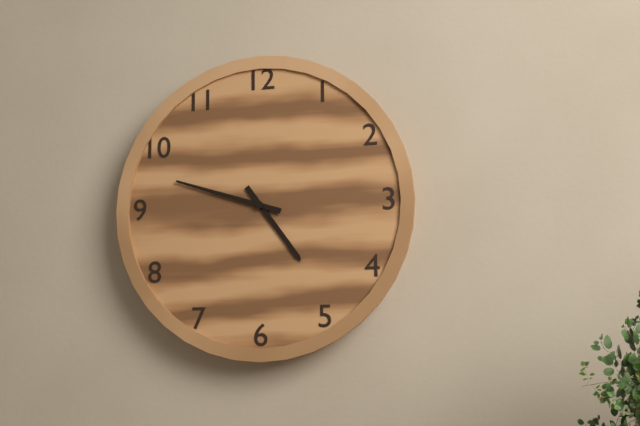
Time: h=4 m=48
